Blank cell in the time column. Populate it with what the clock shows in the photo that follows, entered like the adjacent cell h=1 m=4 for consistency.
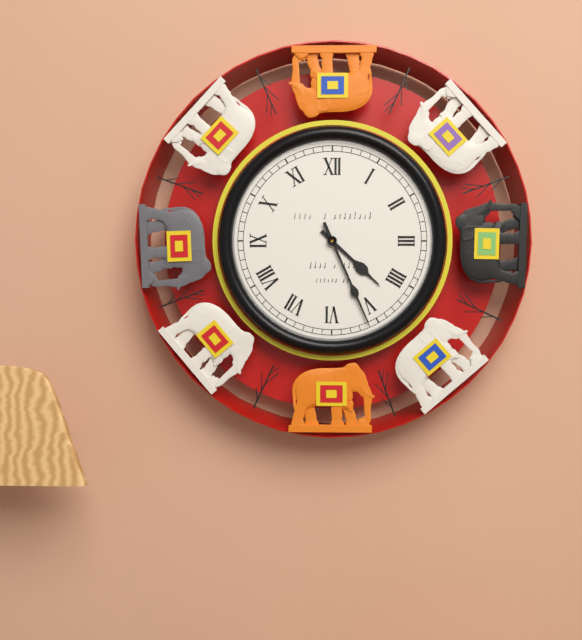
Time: h=4 m=26
